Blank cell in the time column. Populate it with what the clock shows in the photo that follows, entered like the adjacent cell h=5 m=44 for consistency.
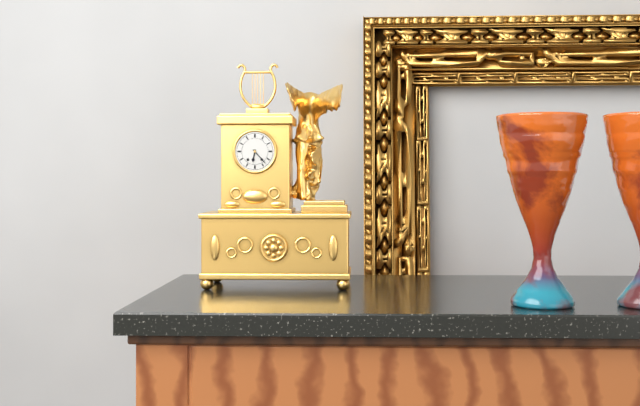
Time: h=6 m=23
